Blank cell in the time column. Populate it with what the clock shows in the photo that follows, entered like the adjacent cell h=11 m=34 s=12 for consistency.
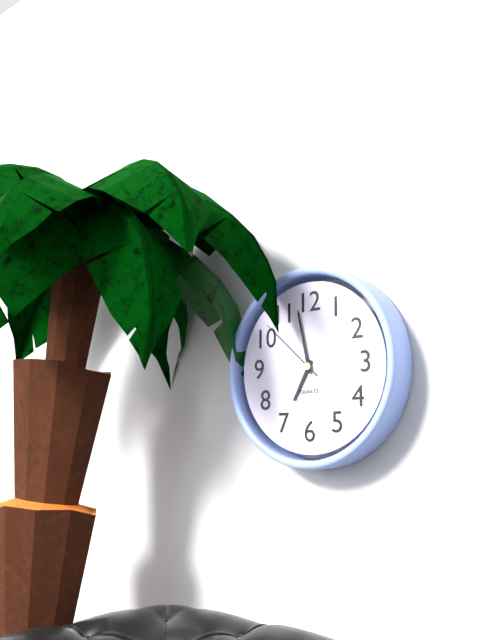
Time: h=6 m=58 s=52
